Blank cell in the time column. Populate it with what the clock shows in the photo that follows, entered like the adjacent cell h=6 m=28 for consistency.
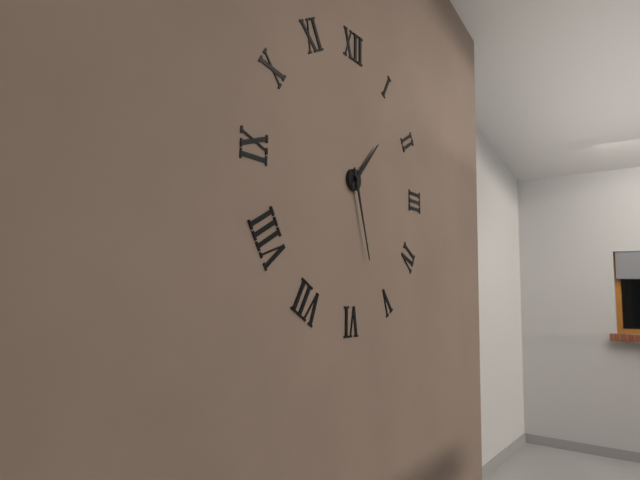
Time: h=1 m=27
